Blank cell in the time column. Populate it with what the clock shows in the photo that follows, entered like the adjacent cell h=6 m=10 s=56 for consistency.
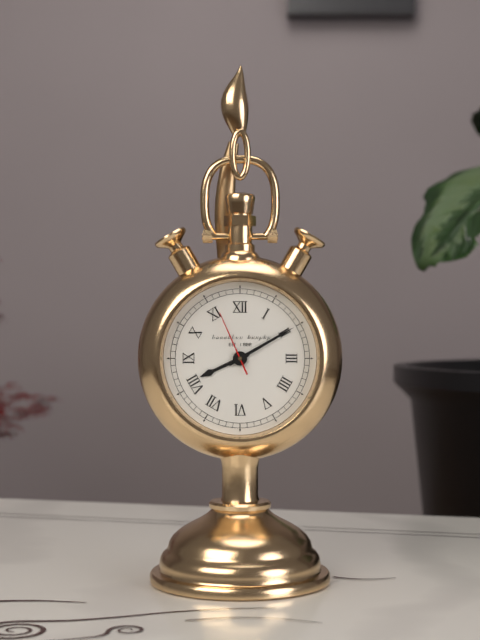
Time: h=8 m=10 s=56
